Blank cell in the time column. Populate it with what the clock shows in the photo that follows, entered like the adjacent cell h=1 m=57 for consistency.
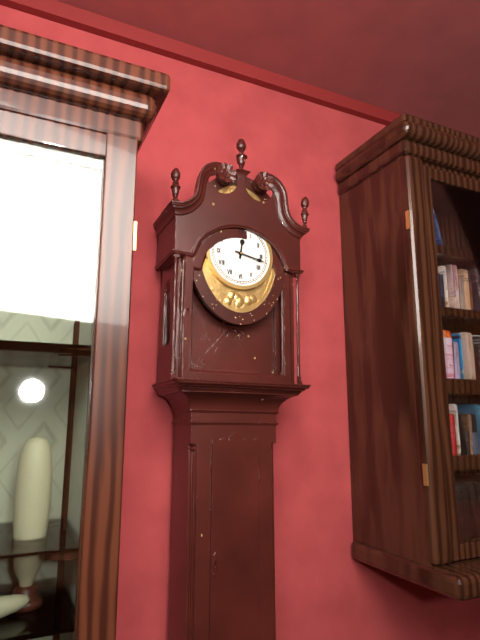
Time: h=12 m=17
